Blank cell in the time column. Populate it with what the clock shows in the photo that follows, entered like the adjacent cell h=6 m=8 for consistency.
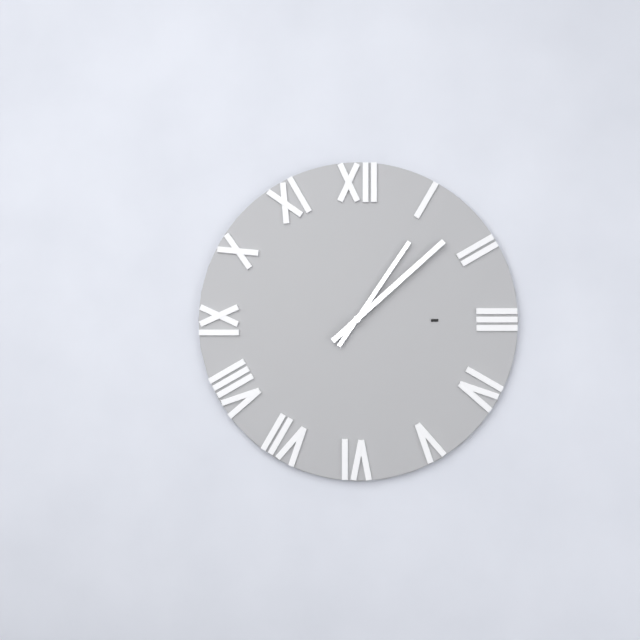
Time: h=1 m=8
